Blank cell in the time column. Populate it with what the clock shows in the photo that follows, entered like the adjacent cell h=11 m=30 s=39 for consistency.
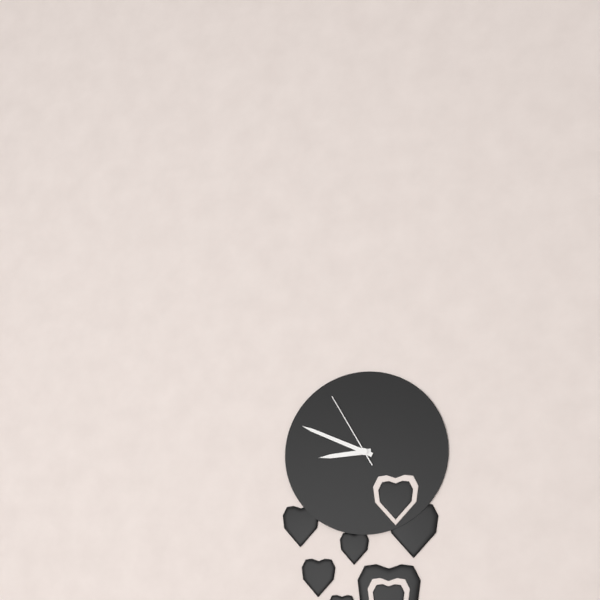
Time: h=8 m=49 s=55
